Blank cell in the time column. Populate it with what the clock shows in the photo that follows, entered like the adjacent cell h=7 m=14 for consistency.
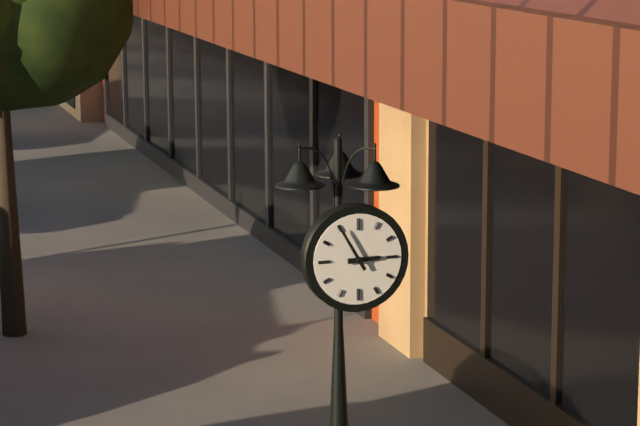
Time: h=2 m=55
